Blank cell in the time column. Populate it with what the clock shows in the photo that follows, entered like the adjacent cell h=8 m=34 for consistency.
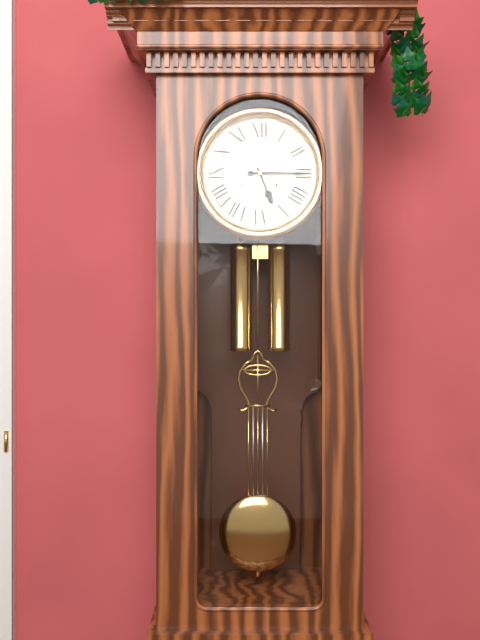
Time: h=5 m=15
